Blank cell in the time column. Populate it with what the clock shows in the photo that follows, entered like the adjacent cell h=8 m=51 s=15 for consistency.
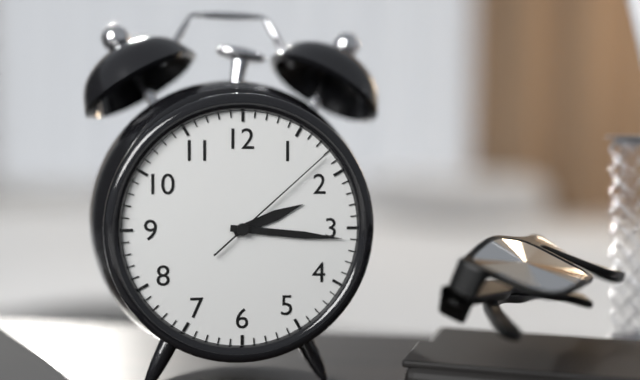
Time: h=2 m=16 s=8
